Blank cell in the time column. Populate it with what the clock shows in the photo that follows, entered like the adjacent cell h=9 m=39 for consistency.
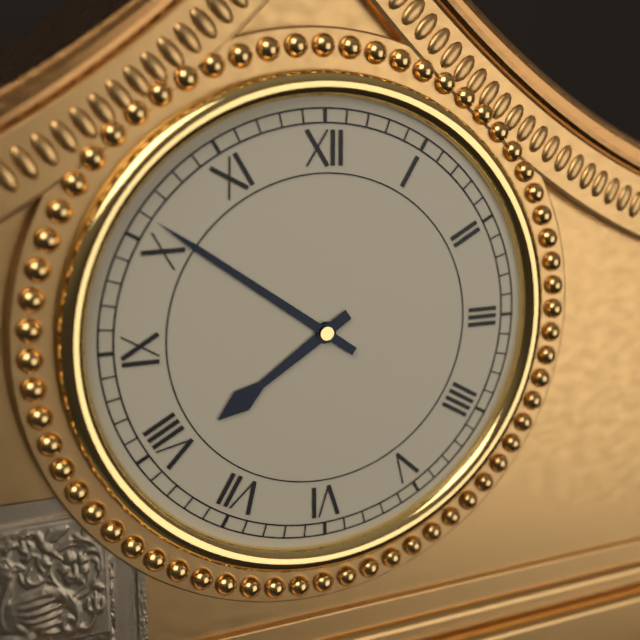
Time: h=7 m=51
